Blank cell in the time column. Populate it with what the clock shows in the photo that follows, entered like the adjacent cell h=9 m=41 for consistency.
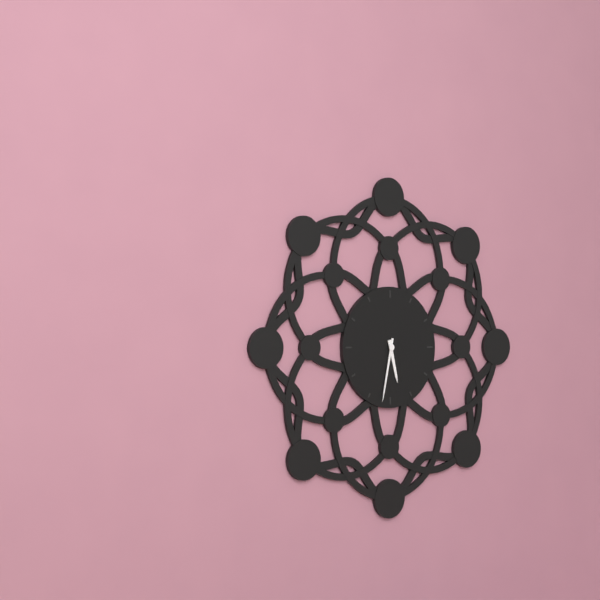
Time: h=5 m=32
